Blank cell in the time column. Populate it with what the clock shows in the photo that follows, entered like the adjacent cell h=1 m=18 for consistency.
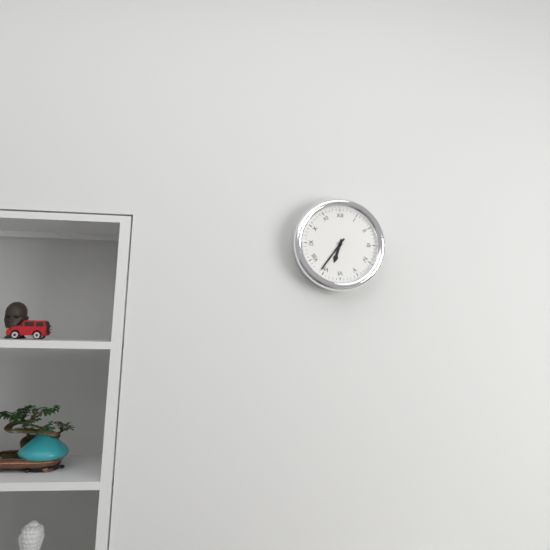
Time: h=6 m=36
